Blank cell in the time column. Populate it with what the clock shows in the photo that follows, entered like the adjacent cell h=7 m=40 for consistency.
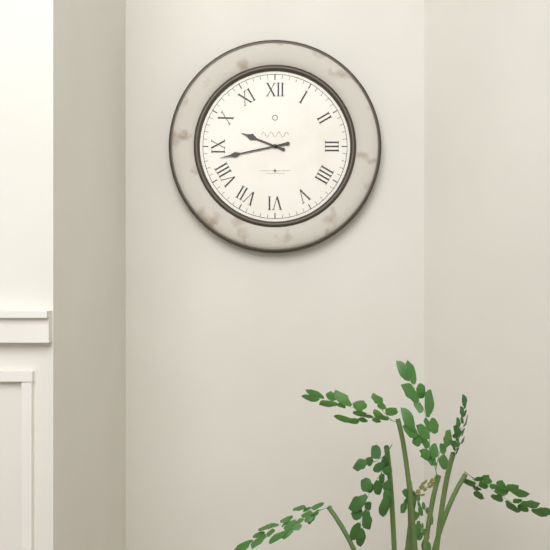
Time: h=9 m=43
